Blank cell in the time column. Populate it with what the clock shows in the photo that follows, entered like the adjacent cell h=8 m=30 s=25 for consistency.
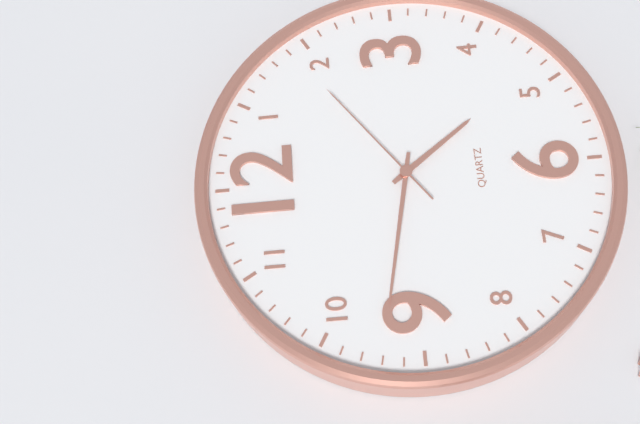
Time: h=4 m=47 s=9
